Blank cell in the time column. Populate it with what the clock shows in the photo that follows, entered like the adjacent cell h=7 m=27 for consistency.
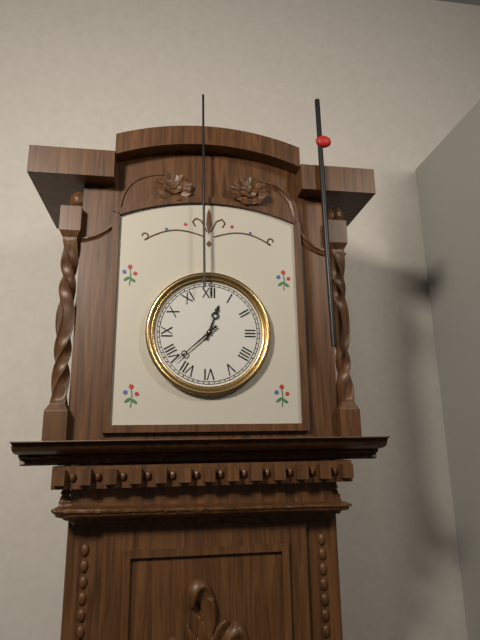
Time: h=12 m=38
